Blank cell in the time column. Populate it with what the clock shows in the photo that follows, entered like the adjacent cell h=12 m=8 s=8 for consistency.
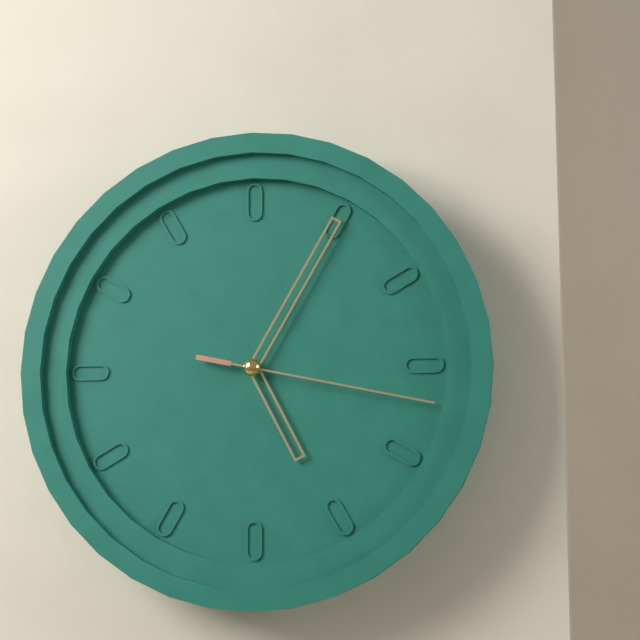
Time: h=5 m=5 s=17
